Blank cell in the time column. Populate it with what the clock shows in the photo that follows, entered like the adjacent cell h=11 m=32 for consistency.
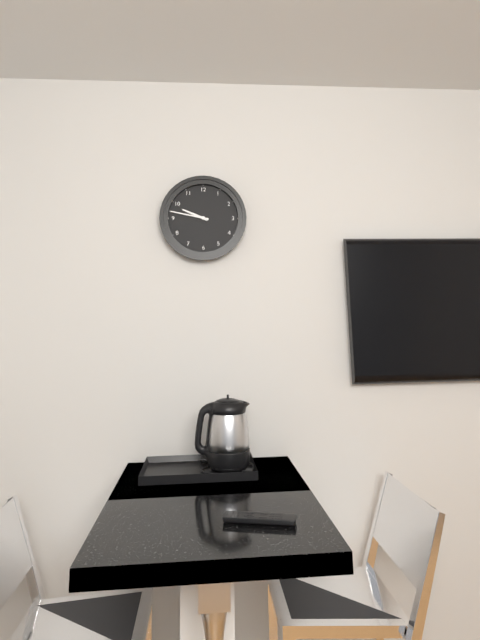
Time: h=9 m=47
